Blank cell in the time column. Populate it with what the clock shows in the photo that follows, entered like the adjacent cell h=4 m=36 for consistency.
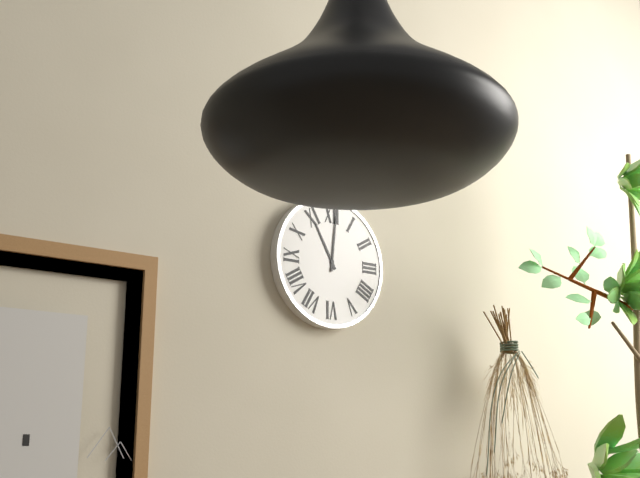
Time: h=11 m=1
